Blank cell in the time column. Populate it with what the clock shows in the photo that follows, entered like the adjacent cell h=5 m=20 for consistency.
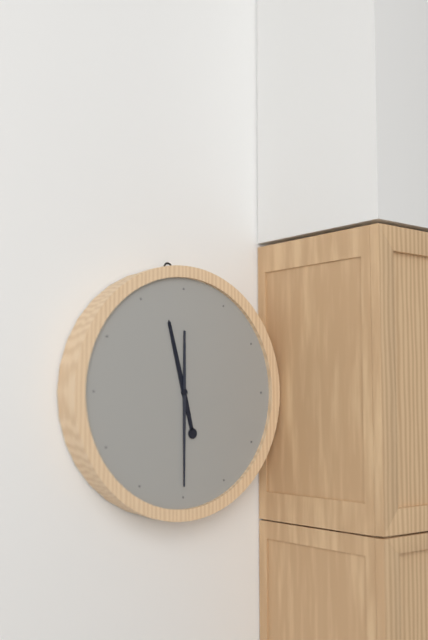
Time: h=11 m=30
